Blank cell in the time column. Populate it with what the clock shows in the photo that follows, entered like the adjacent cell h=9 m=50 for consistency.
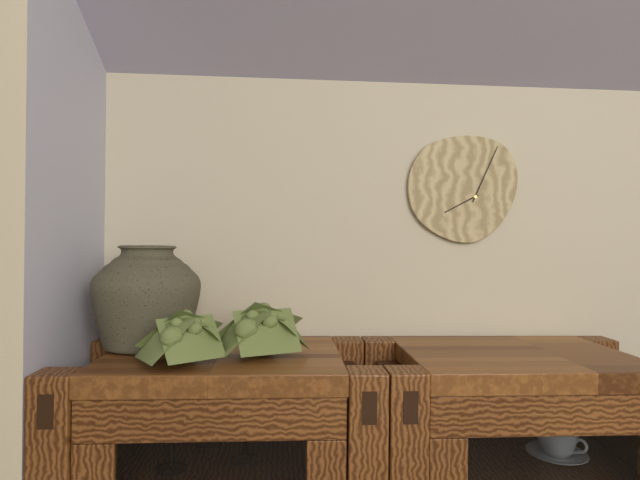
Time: h=8 m=4
